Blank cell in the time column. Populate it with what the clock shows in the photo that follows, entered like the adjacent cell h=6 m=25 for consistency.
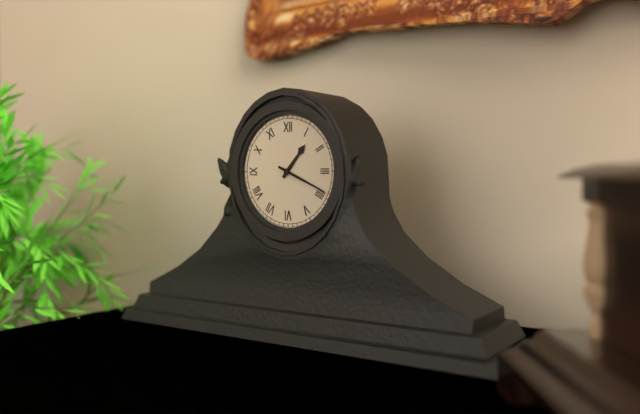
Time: h=1 m=19
